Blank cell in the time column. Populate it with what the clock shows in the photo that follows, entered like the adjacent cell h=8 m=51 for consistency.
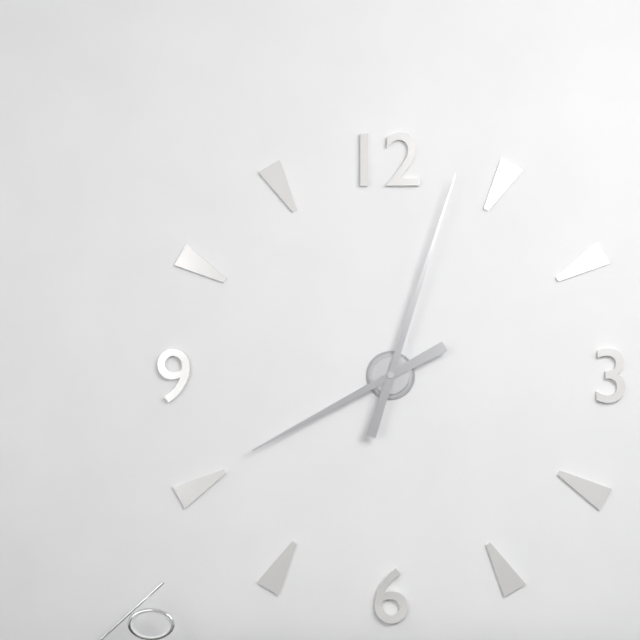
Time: h=8 m=3
